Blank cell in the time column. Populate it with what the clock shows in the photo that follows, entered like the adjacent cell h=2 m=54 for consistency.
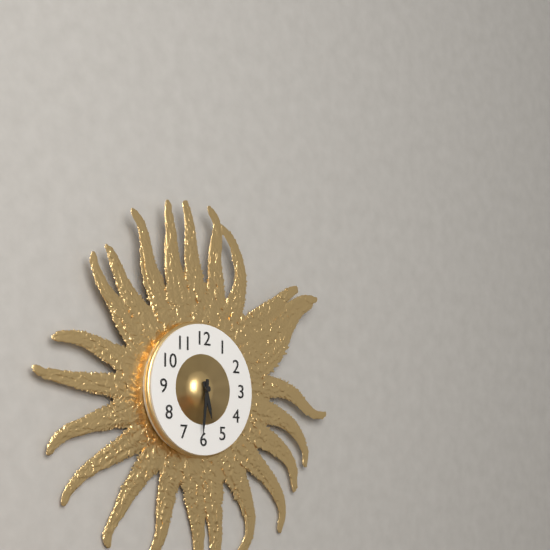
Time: h=5 m=31
